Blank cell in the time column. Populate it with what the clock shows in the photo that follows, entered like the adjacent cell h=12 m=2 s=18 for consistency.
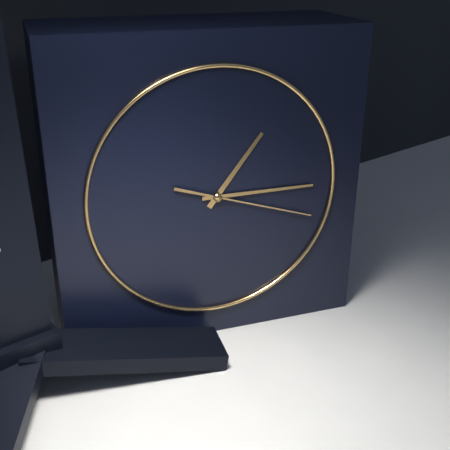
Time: h=1 m=15 s=18
